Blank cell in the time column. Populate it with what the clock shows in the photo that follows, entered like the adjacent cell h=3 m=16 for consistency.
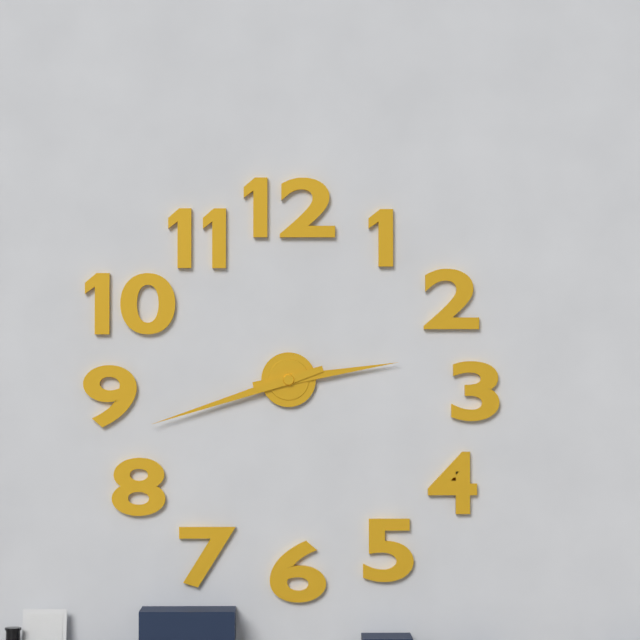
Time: h=2 m=42
